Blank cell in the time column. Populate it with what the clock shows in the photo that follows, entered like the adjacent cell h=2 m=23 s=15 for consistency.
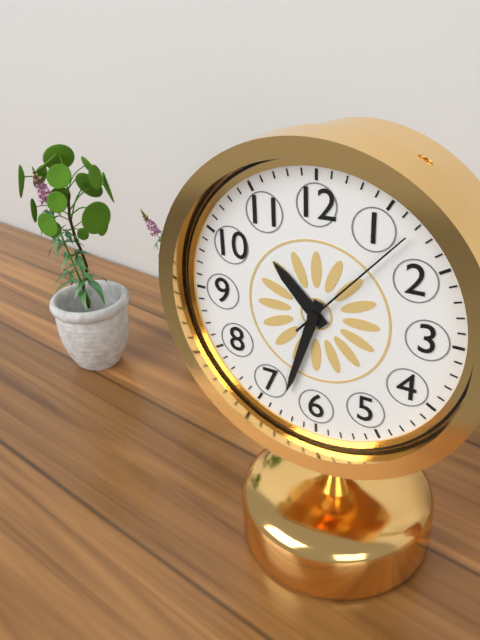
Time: h=10 m=33 s=7
